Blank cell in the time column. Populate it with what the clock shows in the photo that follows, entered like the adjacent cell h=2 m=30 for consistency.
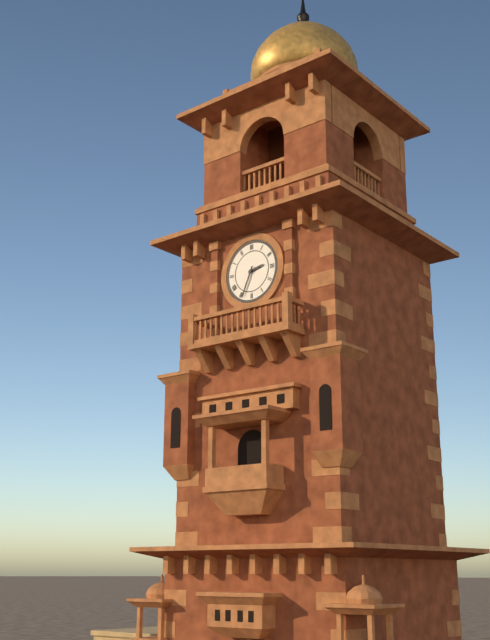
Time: h=2 m=34
